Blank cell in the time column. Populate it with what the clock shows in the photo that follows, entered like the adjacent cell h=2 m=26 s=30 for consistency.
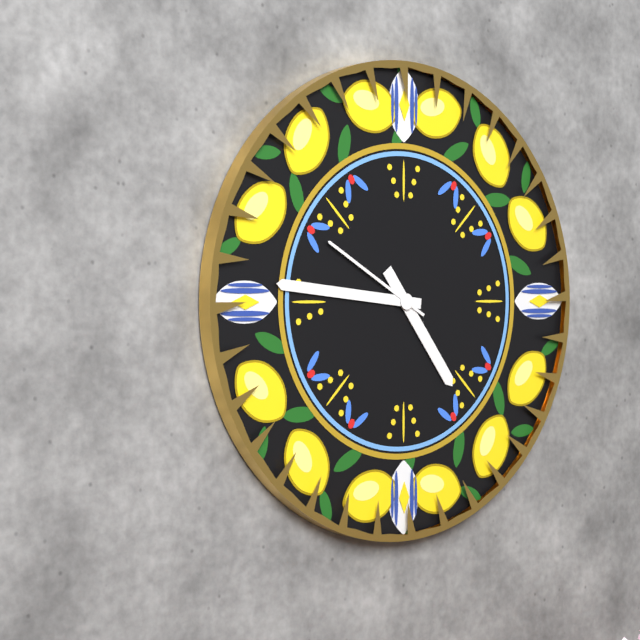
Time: h=4 m=46 s=50
